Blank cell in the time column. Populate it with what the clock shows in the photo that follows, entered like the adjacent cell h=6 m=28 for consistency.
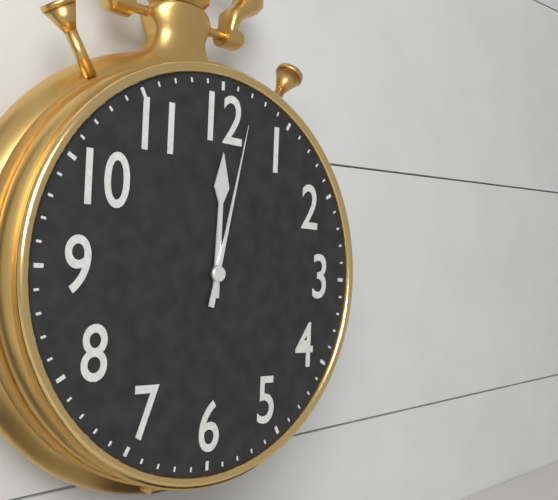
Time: h=12 m=2
